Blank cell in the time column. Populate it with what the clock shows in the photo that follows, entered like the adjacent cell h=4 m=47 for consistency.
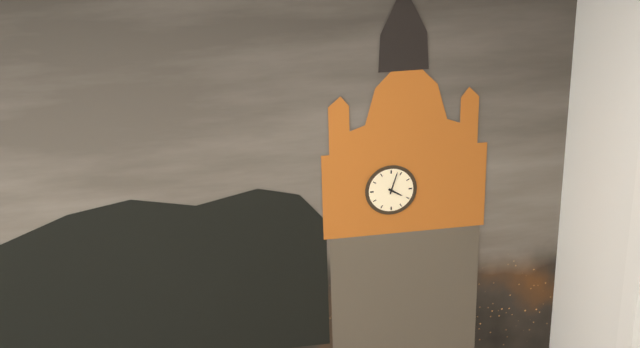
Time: h=4 m=3
